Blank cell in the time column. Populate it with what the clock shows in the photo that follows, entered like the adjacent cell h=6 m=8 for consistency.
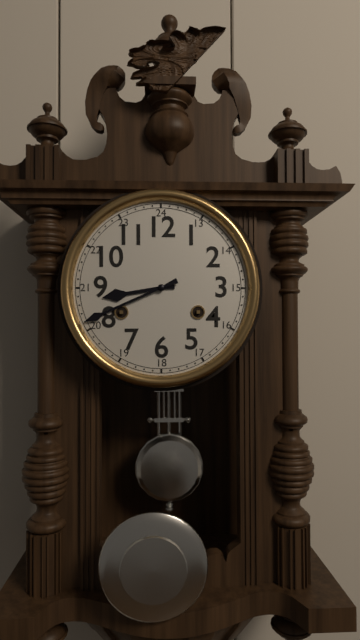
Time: h=8 m=41
